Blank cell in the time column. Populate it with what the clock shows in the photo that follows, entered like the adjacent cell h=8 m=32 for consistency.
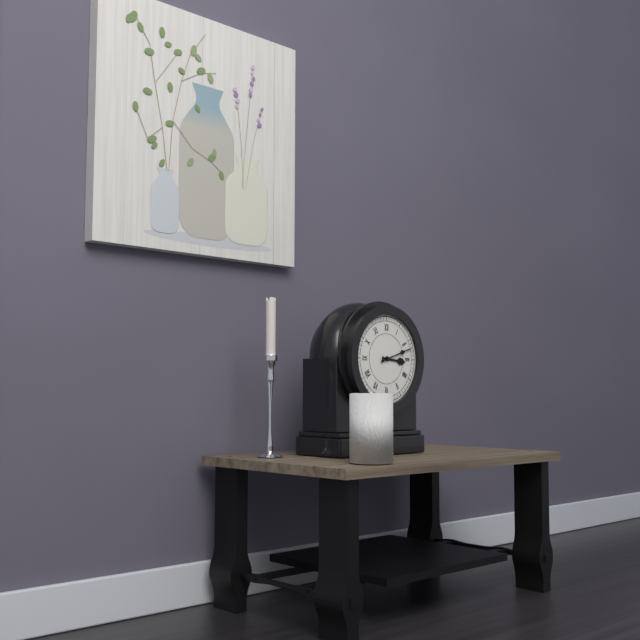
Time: h=3 m=12
